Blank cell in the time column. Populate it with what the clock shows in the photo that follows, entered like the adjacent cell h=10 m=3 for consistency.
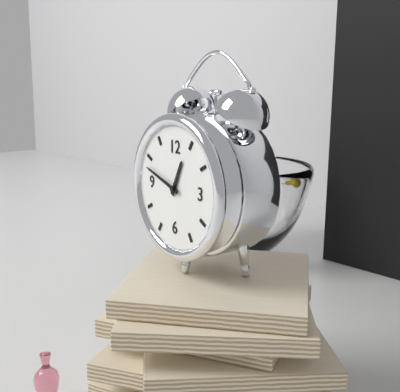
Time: h=12 m=48
